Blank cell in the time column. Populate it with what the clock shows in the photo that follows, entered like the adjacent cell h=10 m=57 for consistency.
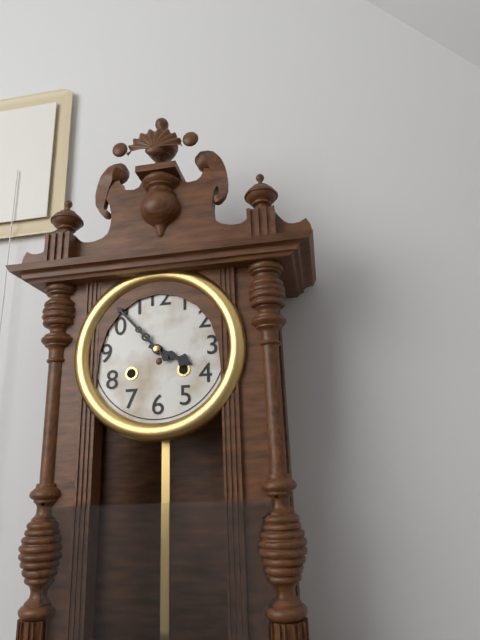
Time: h=3 m=53
